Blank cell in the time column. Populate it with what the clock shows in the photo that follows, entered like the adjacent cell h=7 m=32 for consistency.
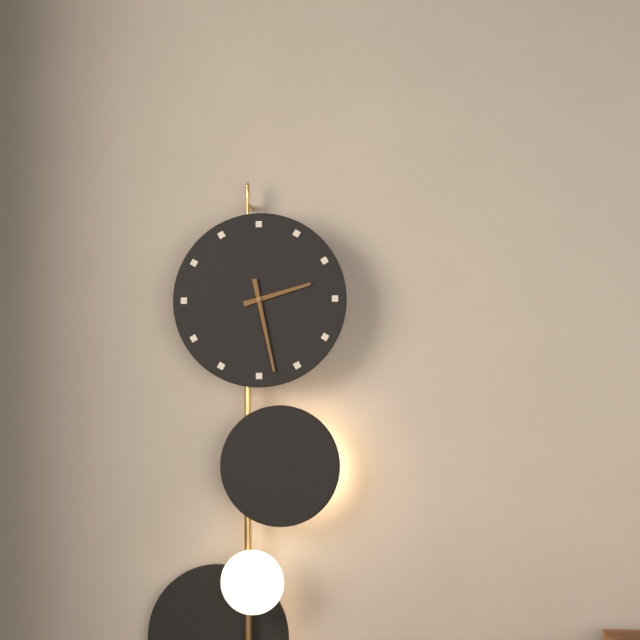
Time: h=2 m=28
